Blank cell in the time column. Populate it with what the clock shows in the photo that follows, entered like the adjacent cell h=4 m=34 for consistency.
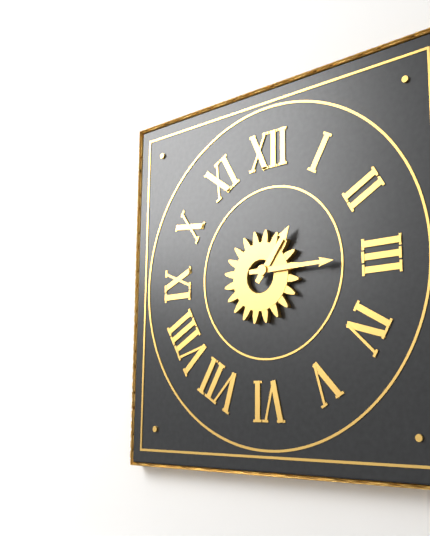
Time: h=1 m=15
